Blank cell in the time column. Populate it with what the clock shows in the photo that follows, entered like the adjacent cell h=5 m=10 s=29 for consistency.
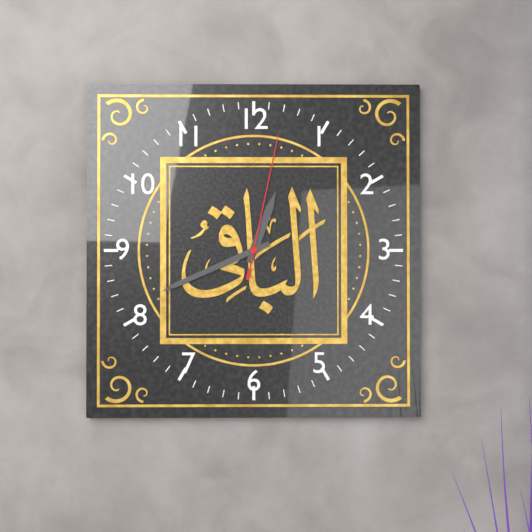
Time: h=12 m=41 s=2
